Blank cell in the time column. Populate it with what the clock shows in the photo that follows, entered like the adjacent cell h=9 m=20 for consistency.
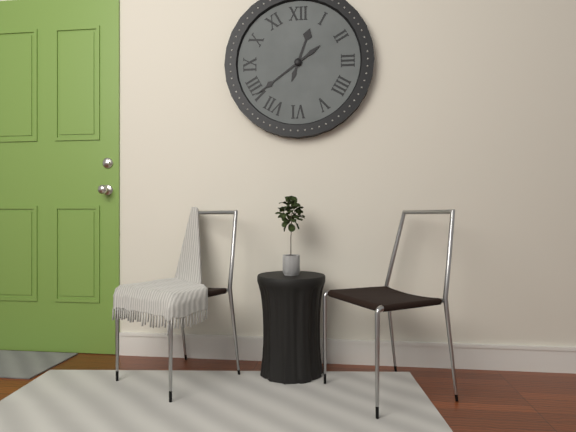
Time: h=12 m=39
